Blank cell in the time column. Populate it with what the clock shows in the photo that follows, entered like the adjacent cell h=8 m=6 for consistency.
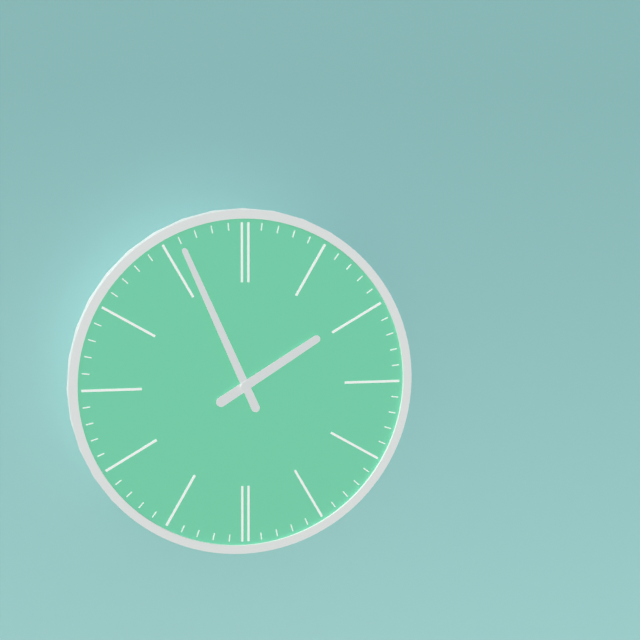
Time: h=1 m=56
